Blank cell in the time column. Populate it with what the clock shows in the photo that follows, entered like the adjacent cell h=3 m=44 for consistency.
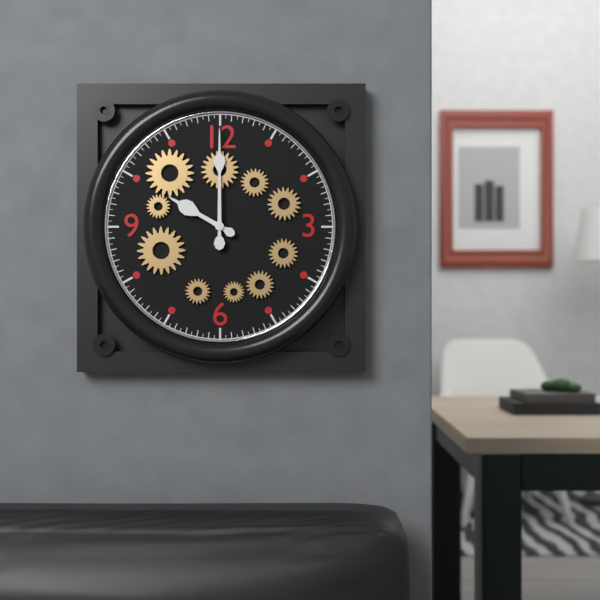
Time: h=10 m=0
